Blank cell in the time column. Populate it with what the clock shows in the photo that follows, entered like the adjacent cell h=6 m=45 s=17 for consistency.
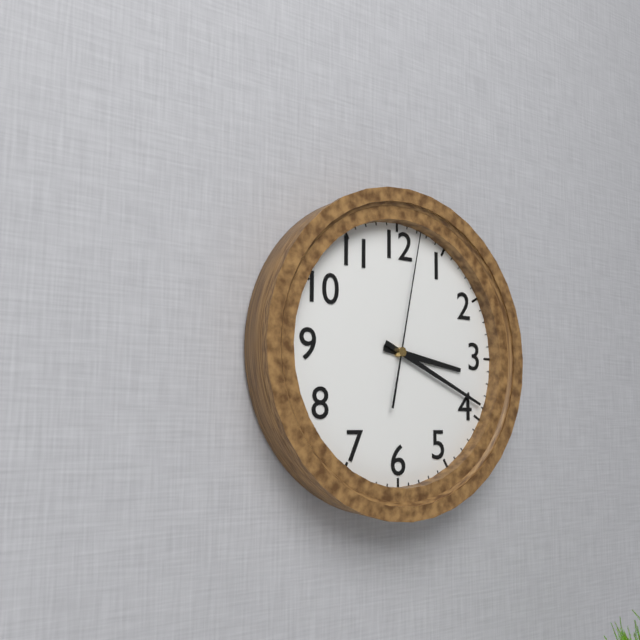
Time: h=3 m=19 s=2
